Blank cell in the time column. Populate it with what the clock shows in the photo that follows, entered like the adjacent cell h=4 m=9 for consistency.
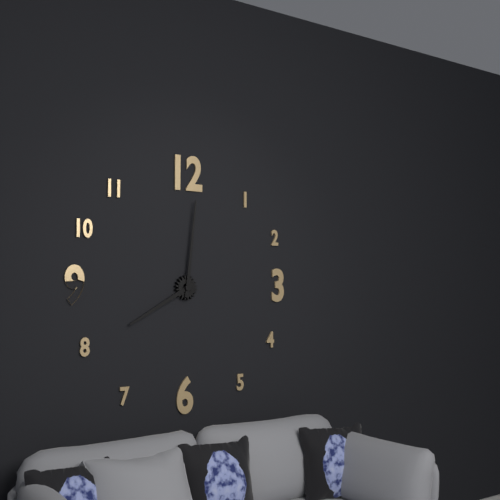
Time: h=8 m=1
